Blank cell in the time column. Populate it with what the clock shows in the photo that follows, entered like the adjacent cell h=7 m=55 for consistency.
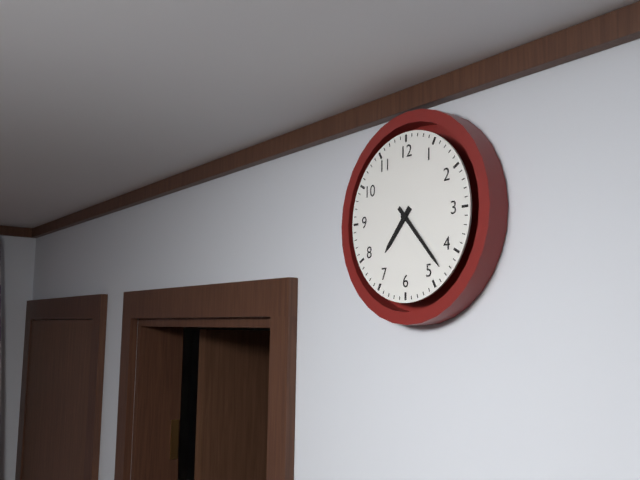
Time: h=7 m=23
